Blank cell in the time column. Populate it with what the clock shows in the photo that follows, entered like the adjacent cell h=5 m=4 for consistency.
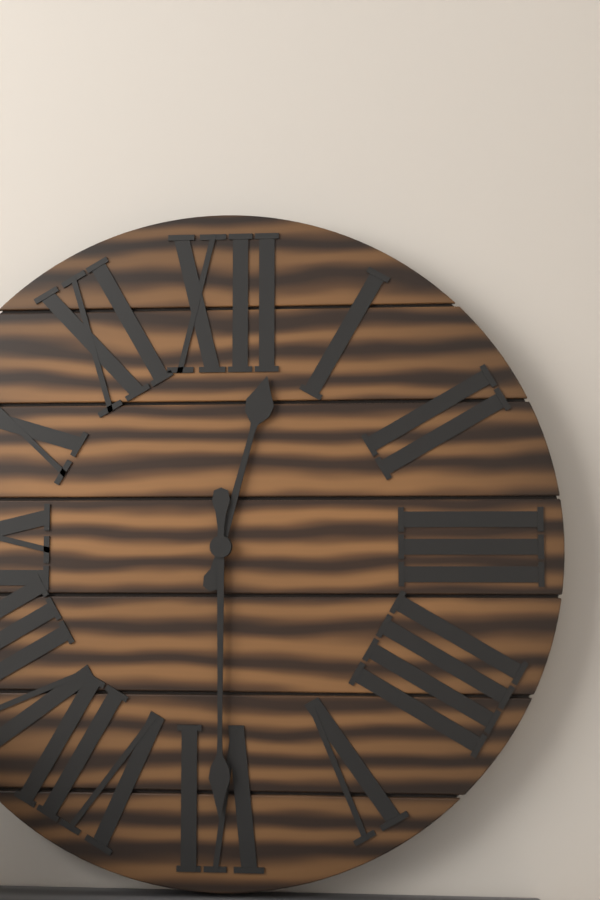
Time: h=12 m=30
